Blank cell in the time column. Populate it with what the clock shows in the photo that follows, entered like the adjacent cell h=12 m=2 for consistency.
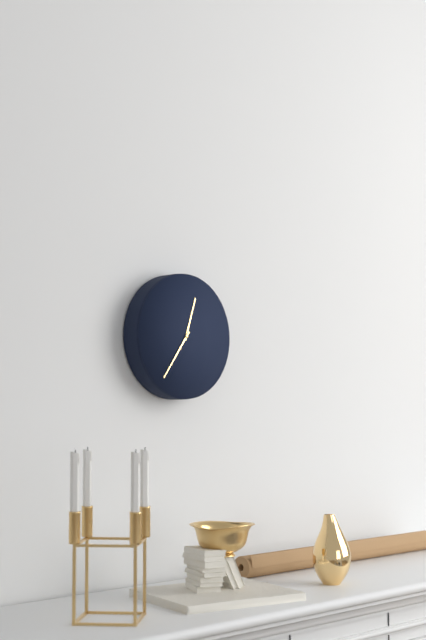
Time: h=12 m=36
